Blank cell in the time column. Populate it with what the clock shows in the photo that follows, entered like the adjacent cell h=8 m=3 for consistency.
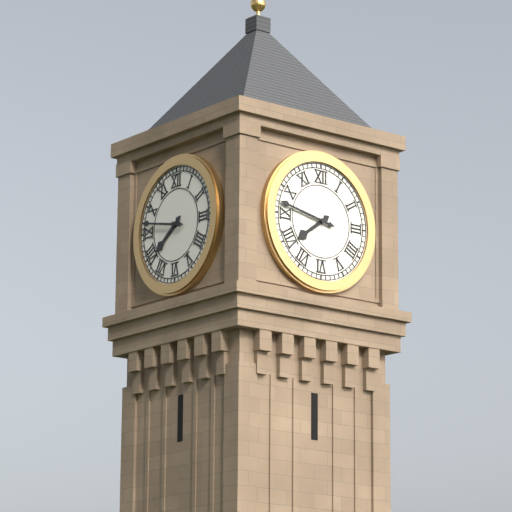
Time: h=7 m=47
